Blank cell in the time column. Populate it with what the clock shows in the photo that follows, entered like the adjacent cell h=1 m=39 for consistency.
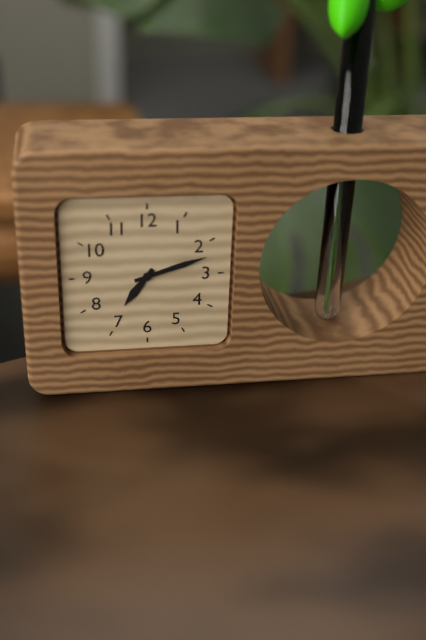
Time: h=7 m=12
